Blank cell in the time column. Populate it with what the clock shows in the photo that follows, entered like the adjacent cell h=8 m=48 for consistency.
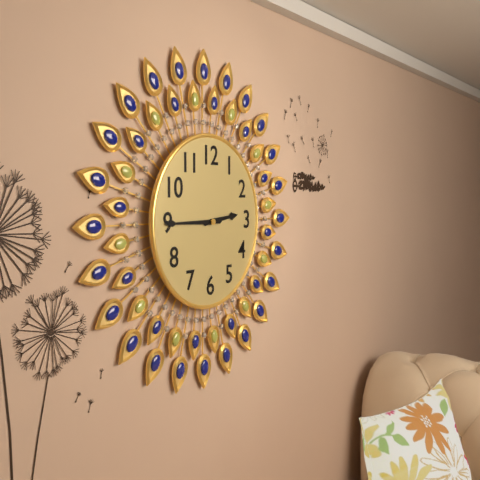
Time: h=2 m=45
